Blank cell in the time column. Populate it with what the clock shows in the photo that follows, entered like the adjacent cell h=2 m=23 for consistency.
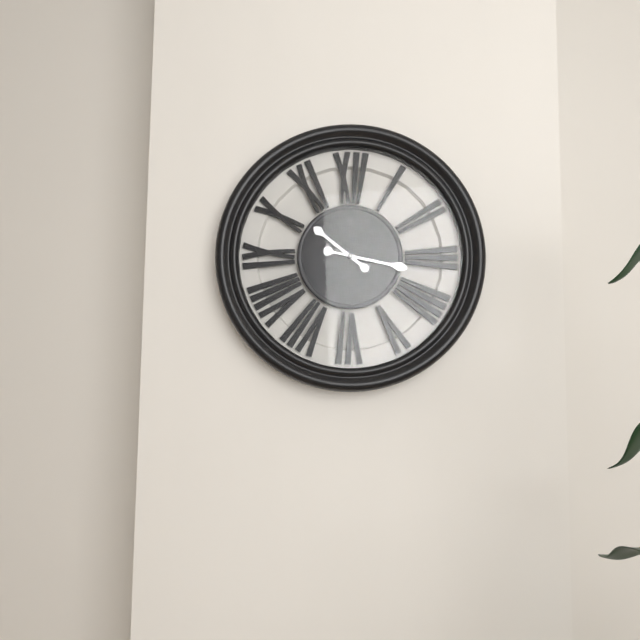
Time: h=10 m=17
